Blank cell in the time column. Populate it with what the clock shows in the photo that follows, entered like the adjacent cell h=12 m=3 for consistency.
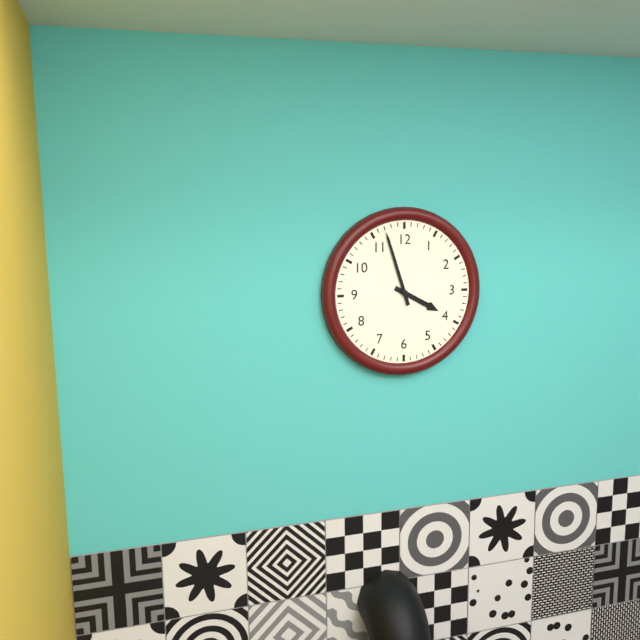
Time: h=3 m=57
